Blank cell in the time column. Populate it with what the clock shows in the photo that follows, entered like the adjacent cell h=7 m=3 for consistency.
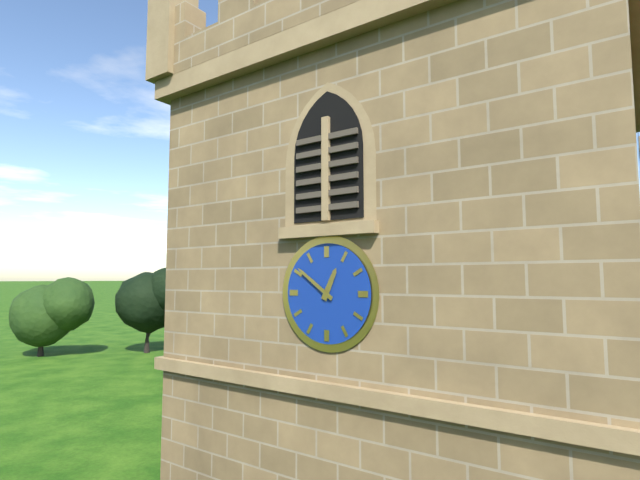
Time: h=12 m=51
